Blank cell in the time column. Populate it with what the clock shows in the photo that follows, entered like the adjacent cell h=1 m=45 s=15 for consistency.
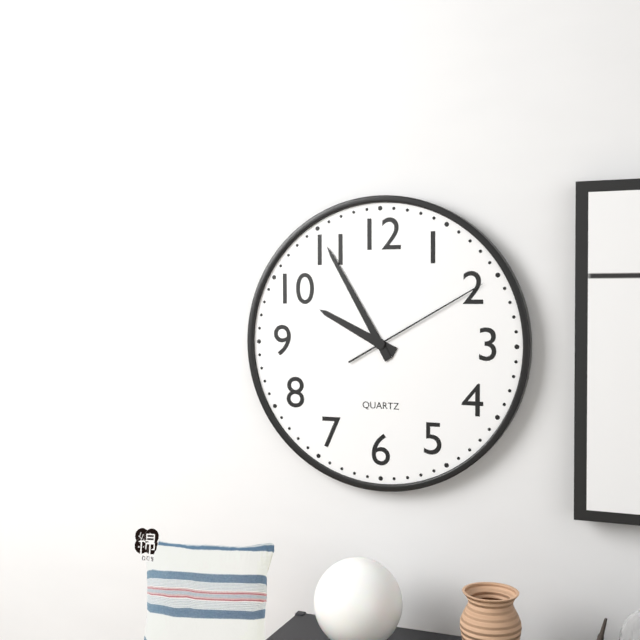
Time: h=9 m=55 s=10
